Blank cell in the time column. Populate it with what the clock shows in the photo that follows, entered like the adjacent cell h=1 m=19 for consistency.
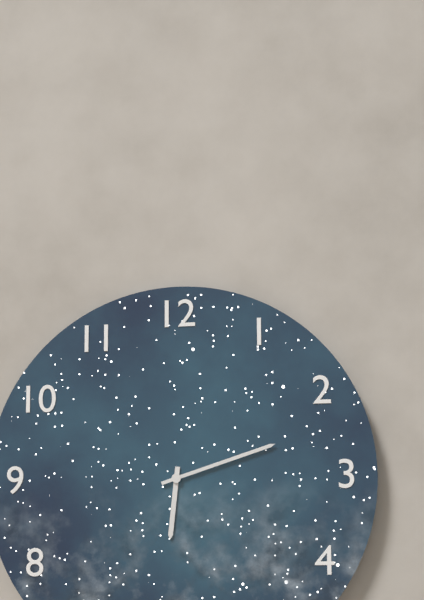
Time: h=6 m=12
